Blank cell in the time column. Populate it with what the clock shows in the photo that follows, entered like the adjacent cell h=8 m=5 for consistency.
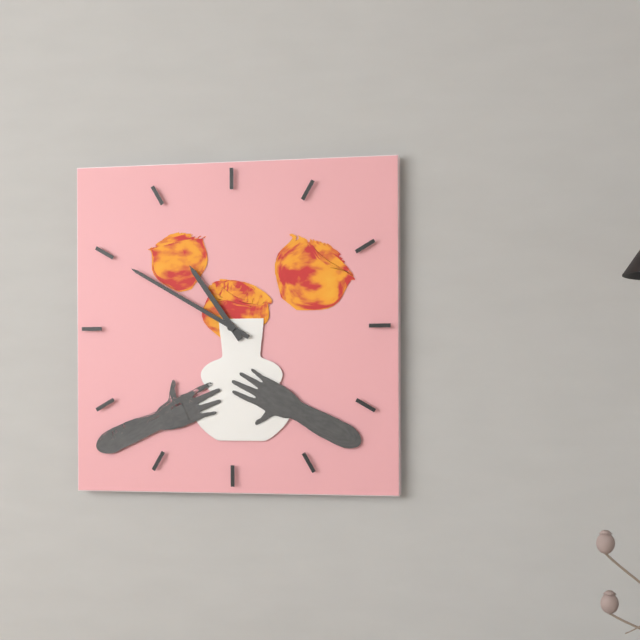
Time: h=10 m=50
